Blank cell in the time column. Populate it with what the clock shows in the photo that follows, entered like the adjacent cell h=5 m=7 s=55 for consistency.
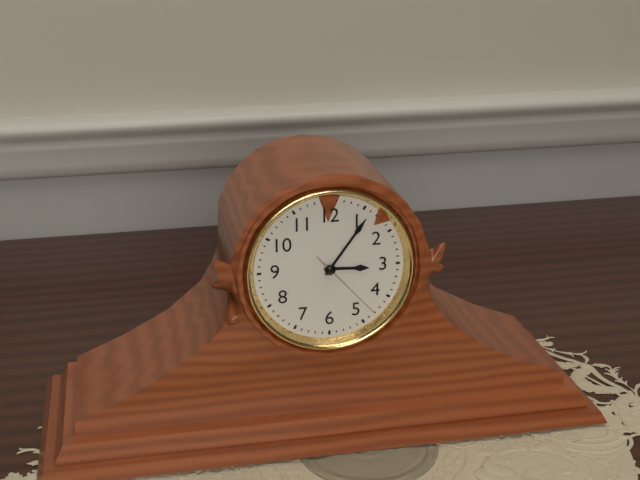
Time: h=3 m=6 s=23
